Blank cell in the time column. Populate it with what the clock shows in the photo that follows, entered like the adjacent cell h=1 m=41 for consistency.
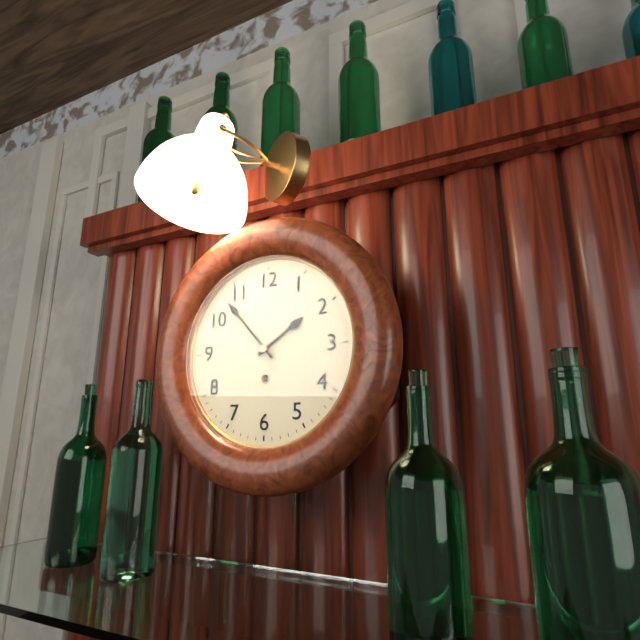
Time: h=1 m=53
